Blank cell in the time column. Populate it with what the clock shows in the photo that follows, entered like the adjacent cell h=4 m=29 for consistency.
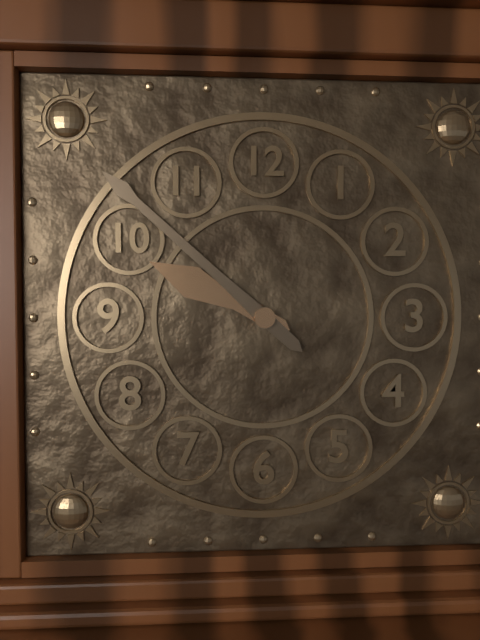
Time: h=9 m=52
